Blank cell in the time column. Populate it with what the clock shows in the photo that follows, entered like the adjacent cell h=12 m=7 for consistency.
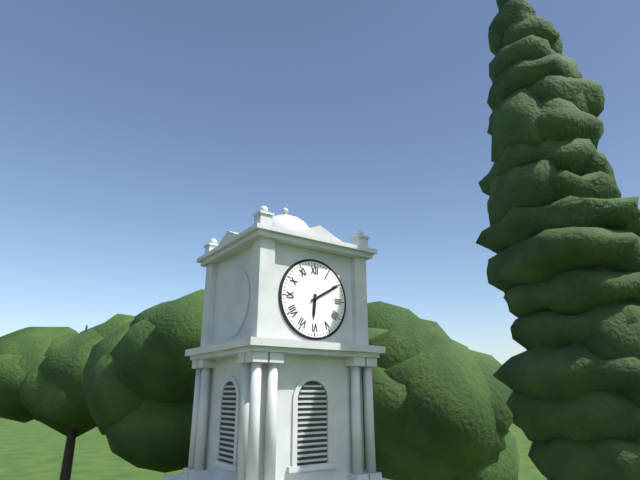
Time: h=6 m=10
